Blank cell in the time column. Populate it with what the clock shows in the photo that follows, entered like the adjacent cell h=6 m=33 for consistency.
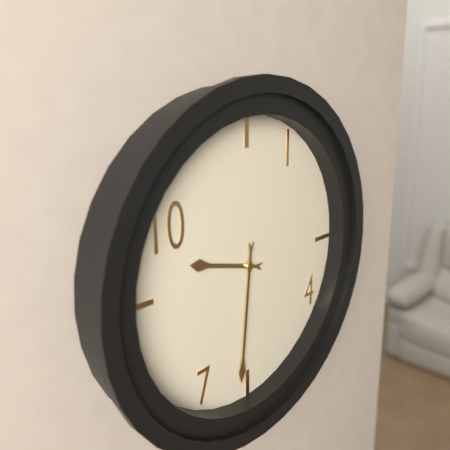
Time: h=9 m=31
